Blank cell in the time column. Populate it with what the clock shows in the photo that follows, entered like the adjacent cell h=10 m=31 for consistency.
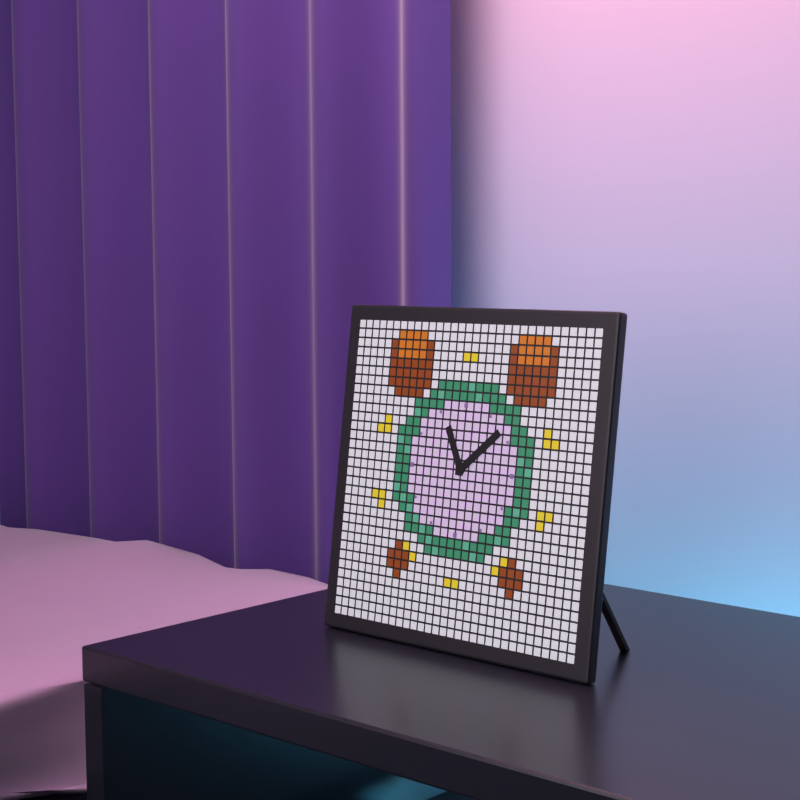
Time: h=11 m=8
